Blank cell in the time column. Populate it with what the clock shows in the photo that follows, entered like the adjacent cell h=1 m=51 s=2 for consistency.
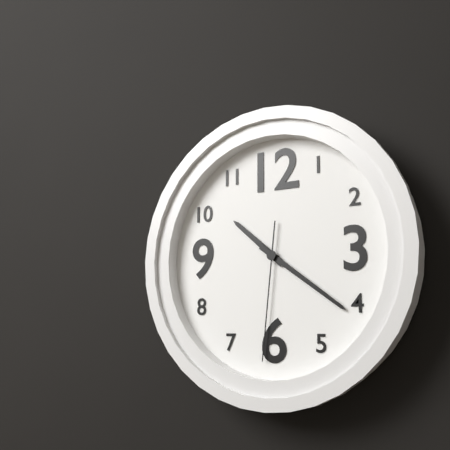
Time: h=10 m=21 s=31
